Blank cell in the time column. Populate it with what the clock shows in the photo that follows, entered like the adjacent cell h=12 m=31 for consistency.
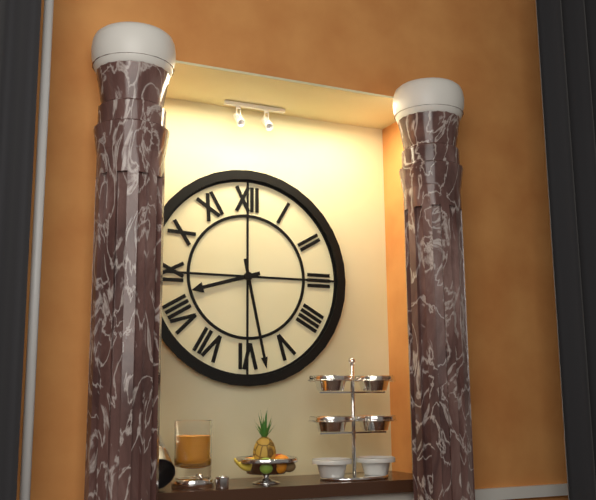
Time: h=8 m=28
